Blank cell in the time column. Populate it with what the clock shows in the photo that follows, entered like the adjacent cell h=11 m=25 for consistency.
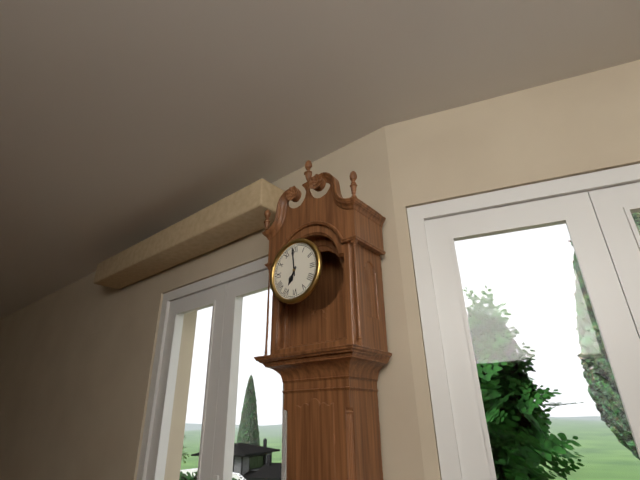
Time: h=6 m=59
